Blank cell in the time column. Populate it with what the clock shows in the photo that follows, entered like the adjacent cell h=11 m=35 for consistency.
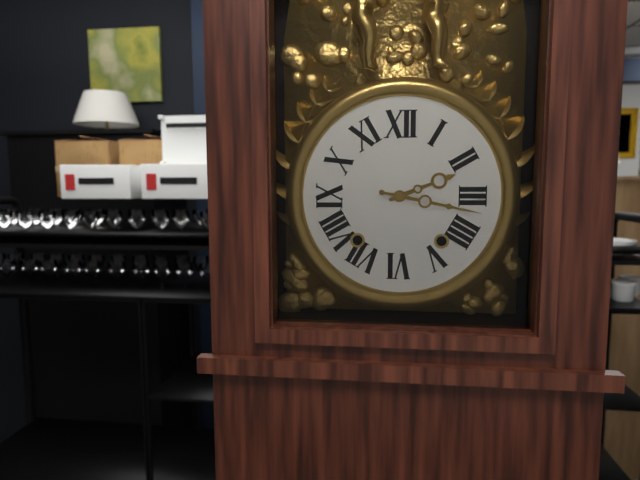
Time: h=2 m=17
